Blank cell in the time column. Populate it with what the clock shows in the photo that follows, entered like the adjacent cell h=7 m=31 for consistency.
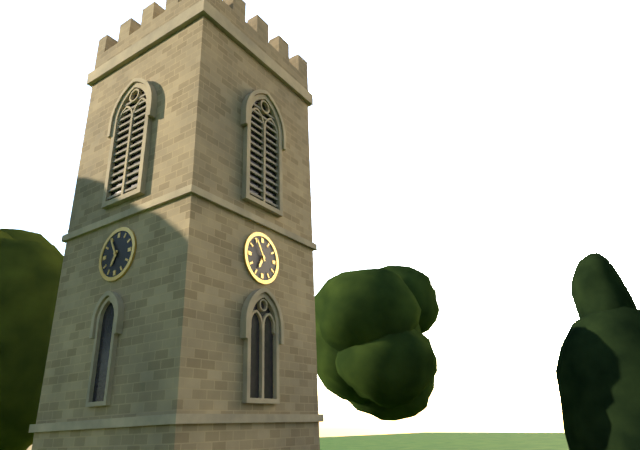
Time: h=6 m=55
